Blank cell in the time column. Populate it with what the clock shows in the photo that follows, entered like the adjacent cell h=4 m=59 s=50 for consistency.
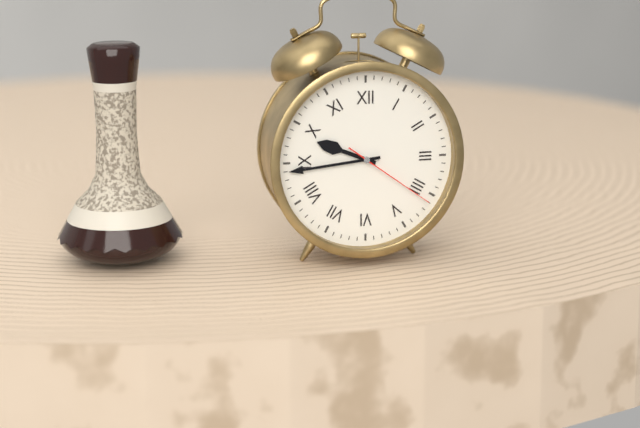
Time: h=9 m=44 s=21
